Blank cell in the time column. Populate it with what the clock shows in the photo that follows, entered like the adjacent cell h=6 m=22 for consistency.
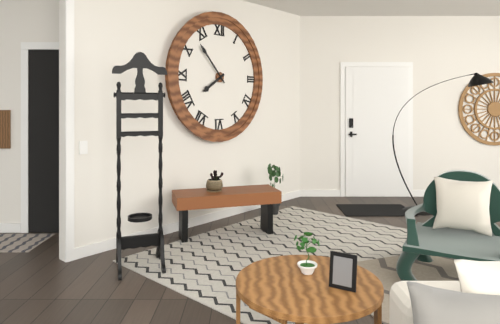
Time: h=7 m=53
